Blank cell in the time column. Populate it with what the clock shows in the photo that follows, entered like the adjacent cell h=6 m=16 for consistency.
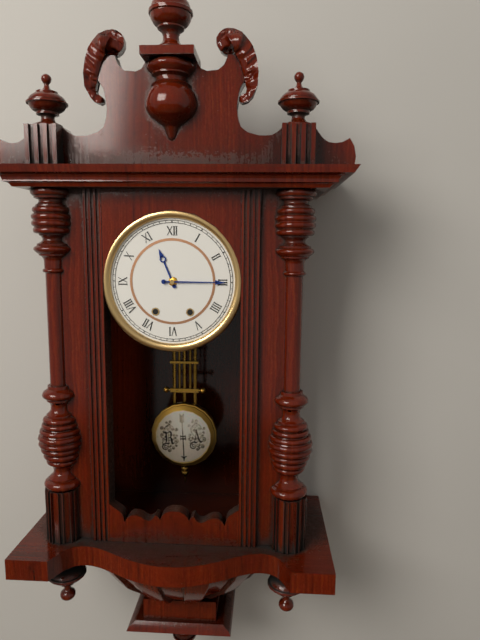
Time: h=11 m=15
